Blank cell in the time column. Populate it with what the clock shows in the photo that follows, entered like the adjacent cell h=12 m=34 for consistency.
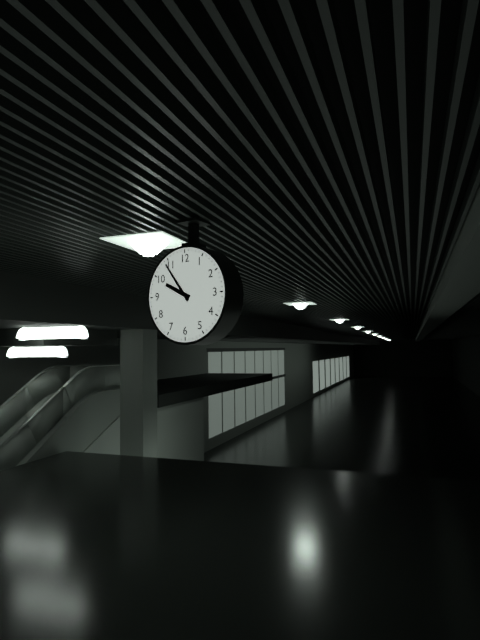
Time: h=9 m=54
